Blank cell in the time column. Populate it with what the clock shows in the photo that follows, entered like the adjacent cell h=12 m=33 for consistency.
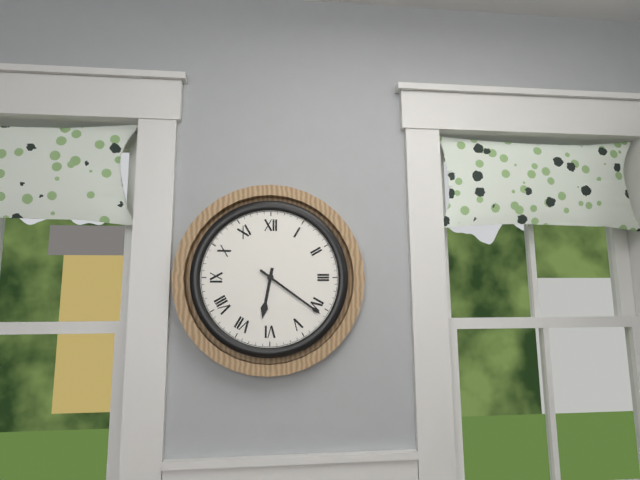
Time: h=6 m=21
